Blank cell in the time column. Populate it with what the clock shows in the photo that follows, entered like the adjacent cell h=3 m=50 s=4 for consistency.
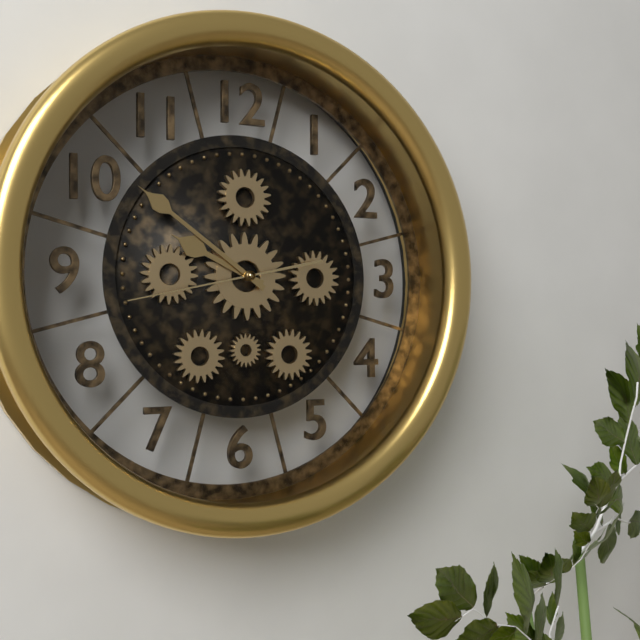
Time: h=9 m=51 s=43
